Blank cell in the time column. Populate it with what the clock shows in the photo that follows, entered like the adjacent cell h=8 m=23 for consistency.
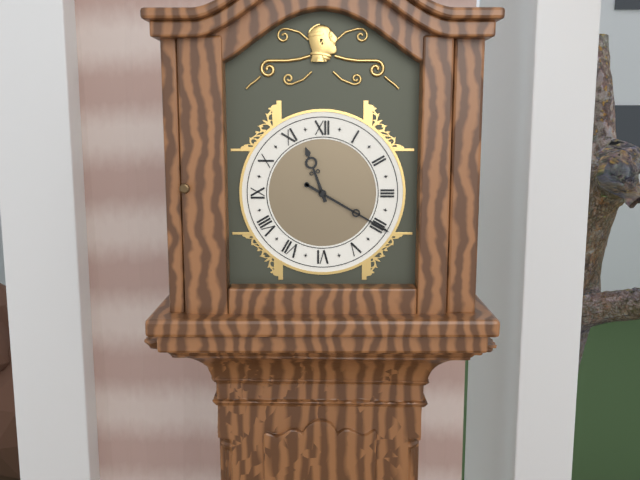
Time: h=11 m=20
